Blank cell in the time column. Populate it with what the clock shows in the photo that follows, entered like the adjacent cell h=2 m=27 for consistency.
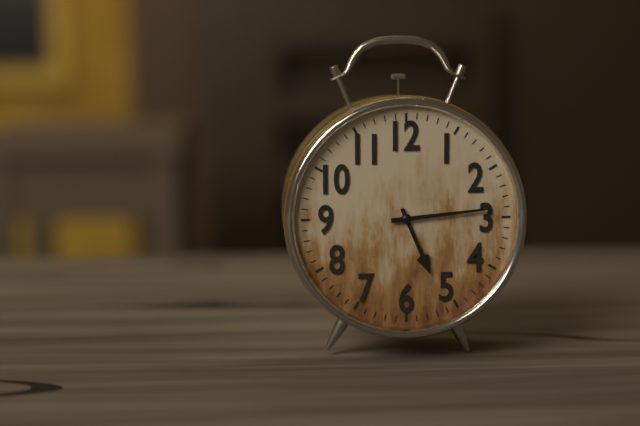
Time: h=5 m=14
